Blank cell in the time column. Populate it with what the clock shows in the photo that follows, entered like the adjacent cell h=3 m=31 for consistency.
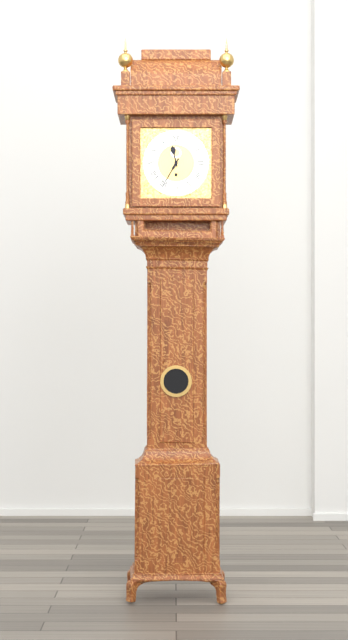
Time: h=11 m=35
